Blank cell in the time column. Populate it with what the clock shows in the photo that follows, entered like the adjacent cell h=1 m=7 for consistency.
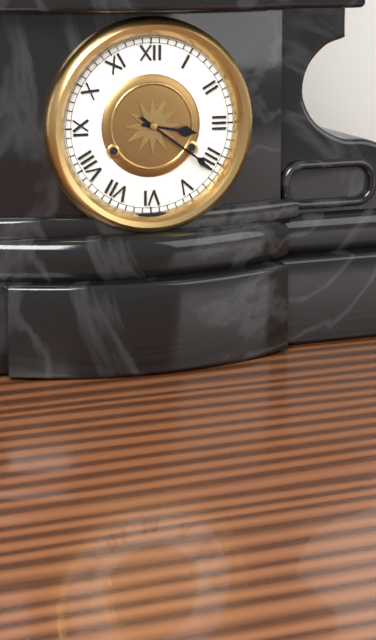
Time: h=3 m=21
